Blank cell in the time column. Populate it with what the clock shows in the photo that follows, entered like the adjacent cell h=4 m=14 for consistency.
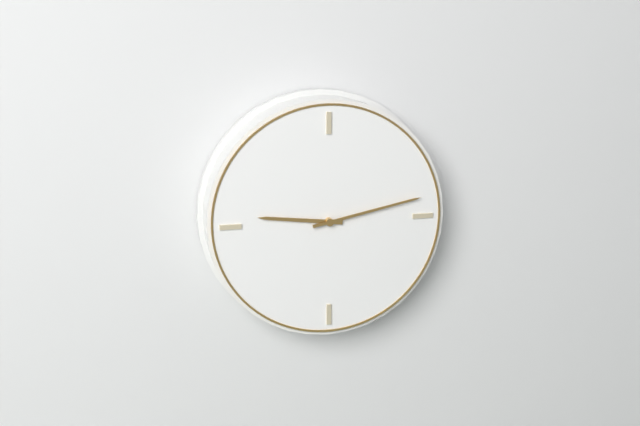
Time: h=9 m=13
